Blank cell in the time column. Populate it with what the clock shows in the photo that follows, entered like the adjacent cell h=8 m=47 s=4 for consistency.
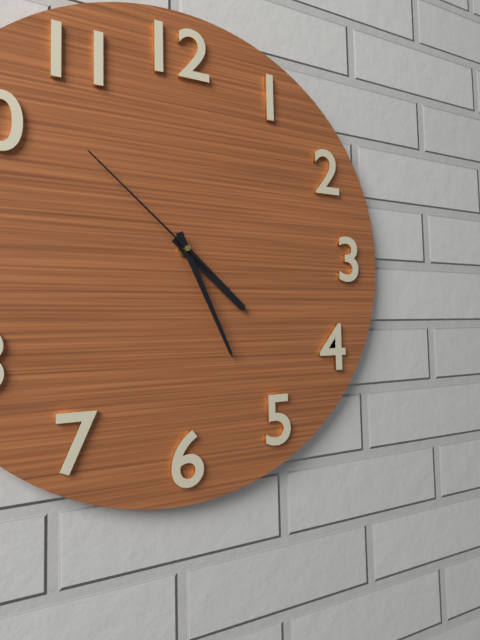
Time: h=4 m=26 s=52
